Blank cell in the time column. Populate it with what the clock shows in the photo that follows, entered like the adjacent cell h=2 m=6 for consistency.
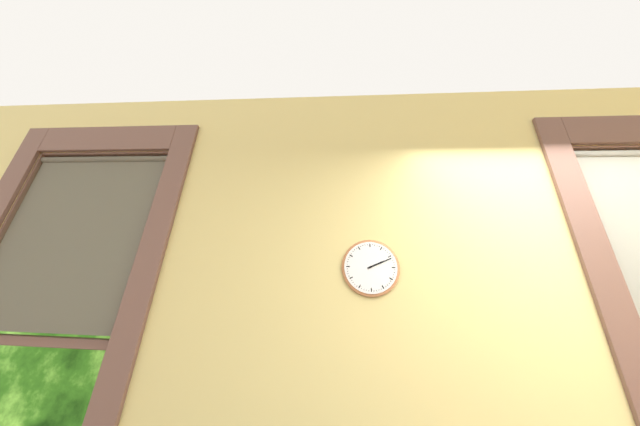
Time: h=2 m=11
